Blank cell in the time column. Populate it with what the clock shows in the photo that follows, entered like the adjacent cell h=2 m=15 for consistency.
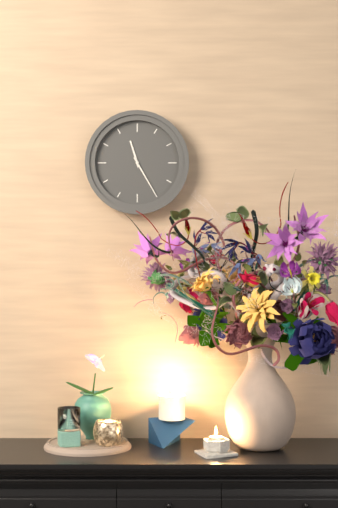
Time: h=11 m=25
